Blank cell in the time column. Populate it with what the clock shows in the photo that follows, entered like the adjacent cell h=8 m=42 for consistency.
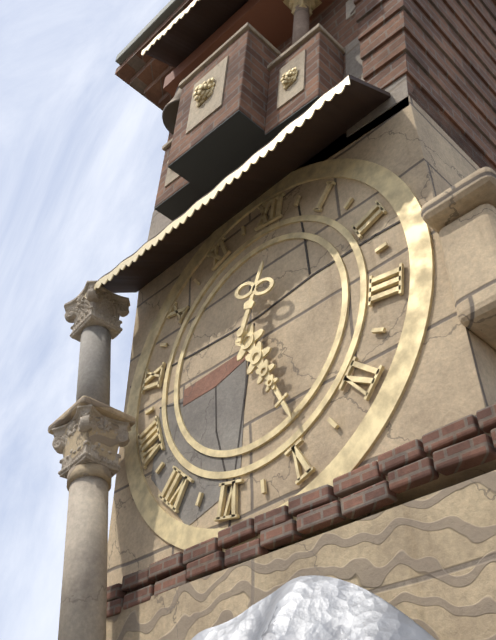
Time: h=12 m=24
